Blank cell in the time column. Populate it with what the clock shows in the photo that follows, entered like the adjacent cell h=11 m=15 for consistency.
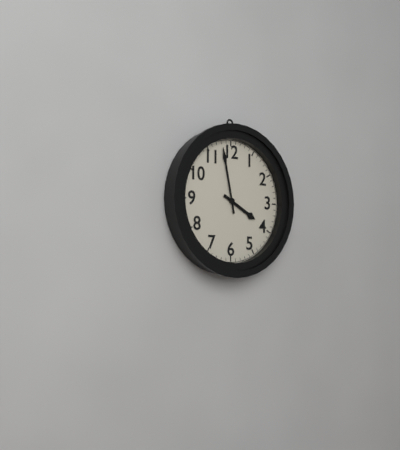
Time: h=3 m=58
